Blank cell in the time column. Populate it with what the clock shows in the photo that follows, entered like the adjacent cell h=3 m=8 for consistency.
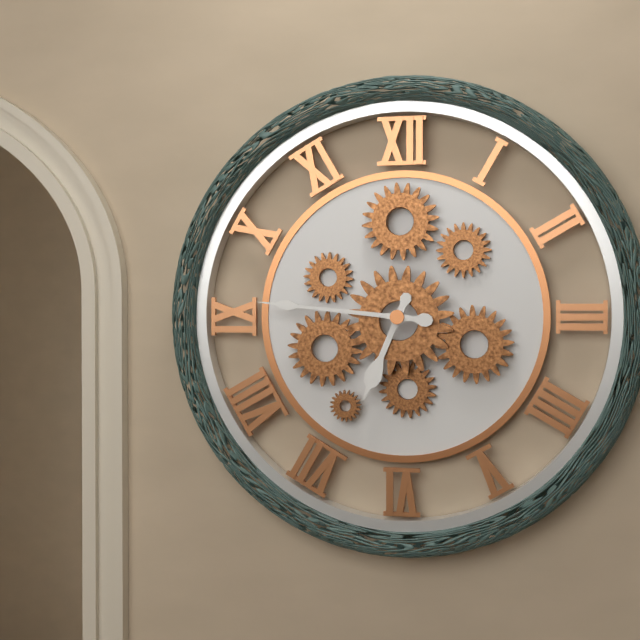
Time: h=6 m=46
